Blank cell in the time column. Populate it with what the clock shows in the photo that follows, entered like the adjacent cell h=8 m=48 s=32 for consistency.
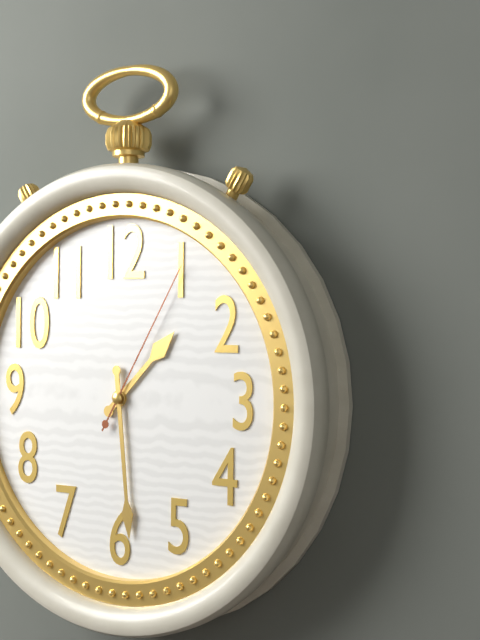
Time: h=1 m=29 s=5
